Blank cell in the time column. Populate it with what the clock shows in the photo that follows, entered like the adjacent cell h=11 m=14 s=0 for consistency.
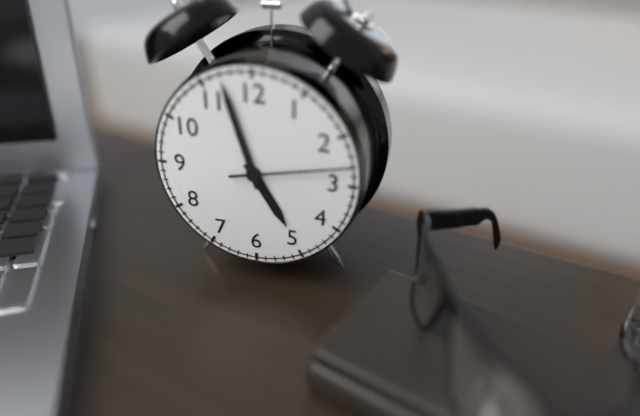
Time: h=4 m=57 s=13
